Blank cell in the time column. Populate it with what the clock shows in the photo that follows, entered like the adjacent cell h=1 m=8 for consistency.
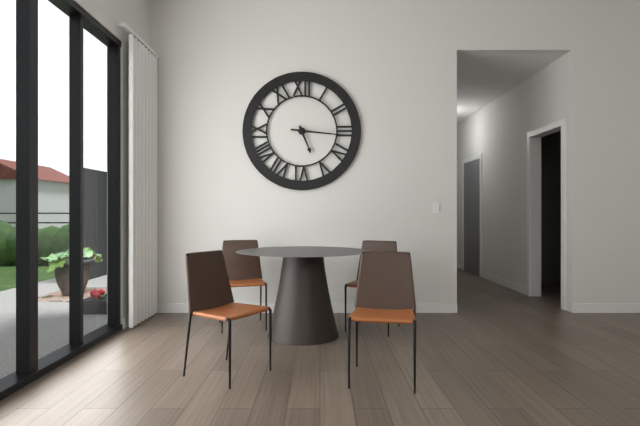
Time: h=5 m=16
